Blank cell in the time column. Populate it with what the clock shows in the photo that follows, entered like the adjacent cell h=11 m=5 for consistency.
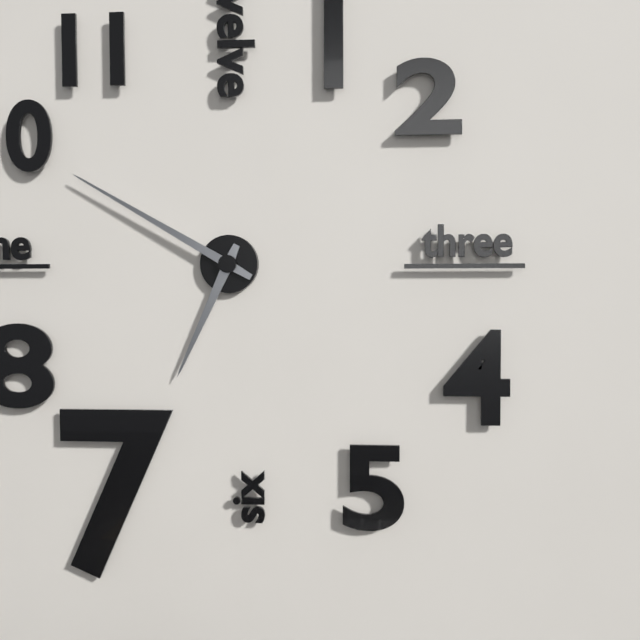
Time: h=6 m=50
